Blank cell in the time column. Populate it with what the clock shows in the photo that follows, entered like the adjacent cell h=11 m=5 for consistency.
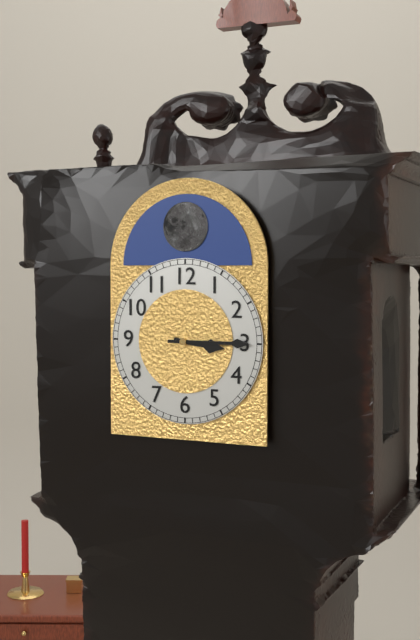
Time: h=3 m=15
